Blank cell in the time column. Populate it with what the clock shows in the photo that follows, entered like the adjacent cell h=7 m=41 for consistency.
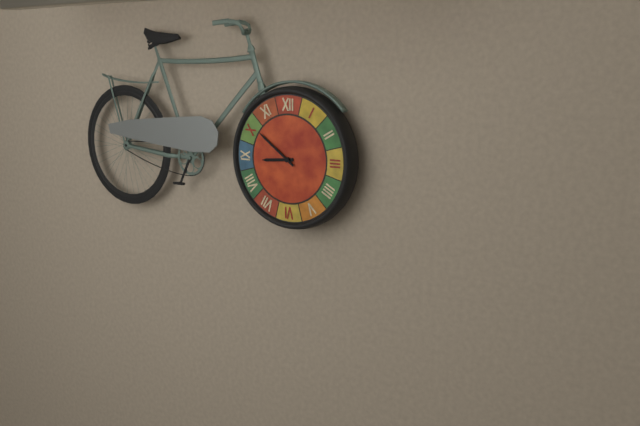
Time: h=8 m=51
